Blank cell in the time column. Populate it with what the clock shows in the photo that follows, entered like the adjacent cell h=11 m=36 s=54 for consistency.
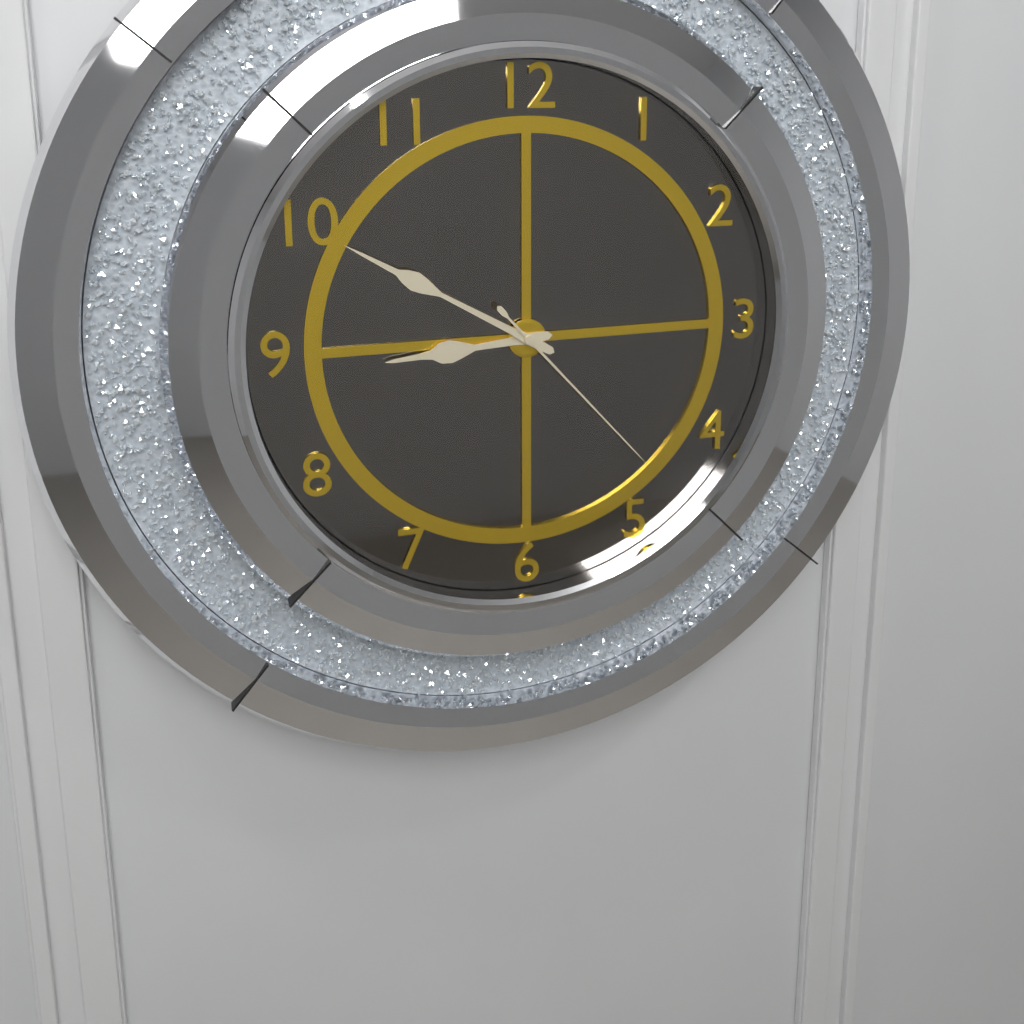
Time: h=8 m=50 s=23
